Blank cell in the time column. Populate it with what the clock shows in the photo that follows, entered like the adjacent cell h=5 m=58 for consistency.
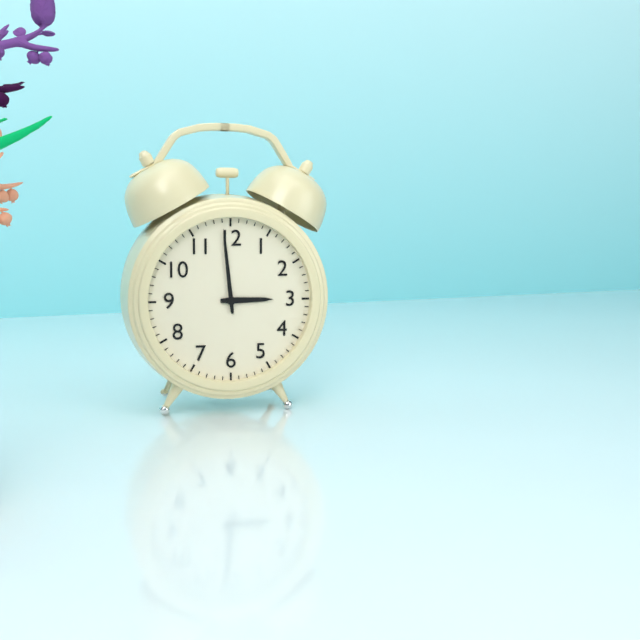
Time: h=2 m=59
